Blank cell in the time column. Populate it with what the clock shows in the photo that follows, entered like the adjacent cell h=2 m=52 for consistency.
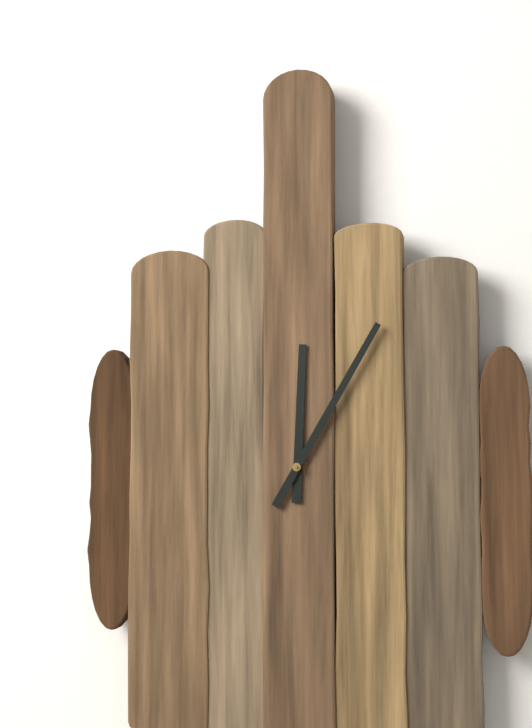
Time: h=12 m=5
